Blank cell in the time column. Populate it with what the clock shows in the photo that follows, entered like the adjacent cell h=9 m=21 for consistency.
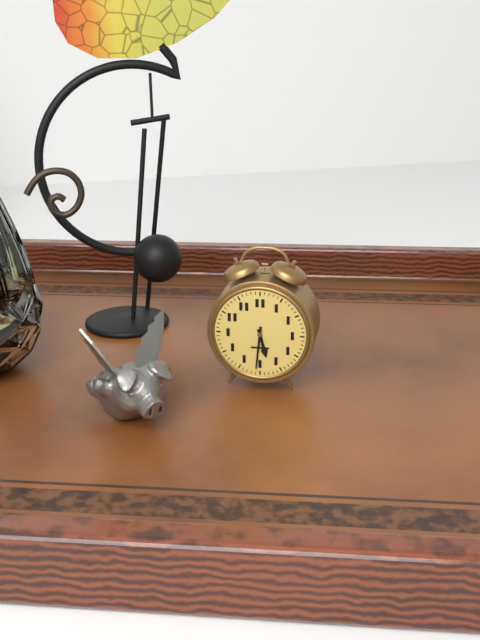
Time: h=5 m=31
